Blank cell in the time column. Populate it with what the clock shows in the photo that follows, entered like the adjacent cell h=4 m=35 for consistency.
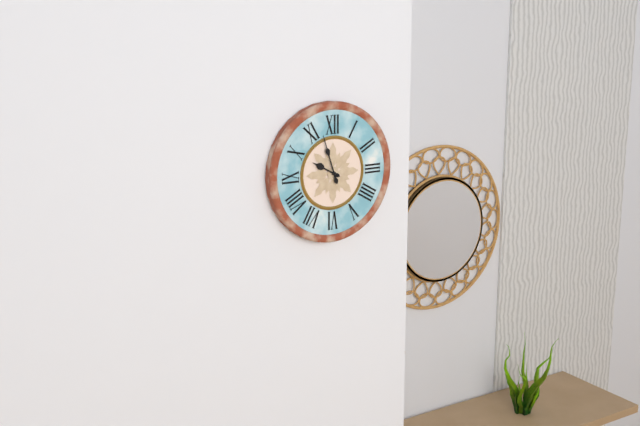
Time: h=9 m=57
